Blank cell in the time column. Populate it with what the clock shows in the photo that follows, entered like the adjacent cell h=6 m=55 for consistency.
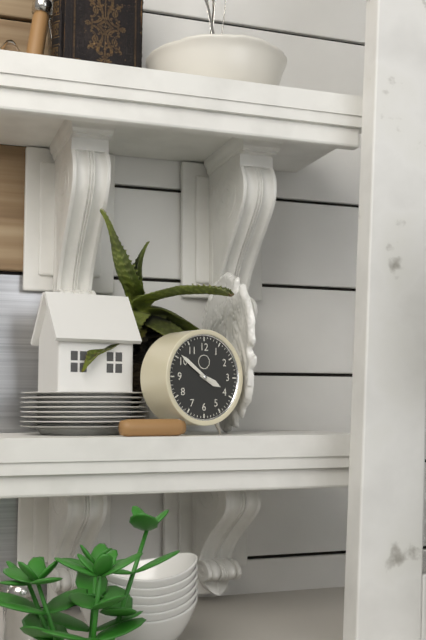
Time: h=3 m=51
